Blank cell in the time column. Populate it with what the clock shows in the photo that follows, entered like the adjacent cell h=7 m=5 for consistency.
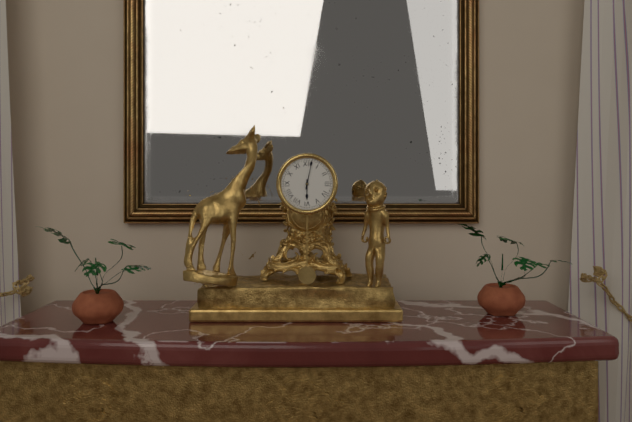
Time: h=6 m=2
